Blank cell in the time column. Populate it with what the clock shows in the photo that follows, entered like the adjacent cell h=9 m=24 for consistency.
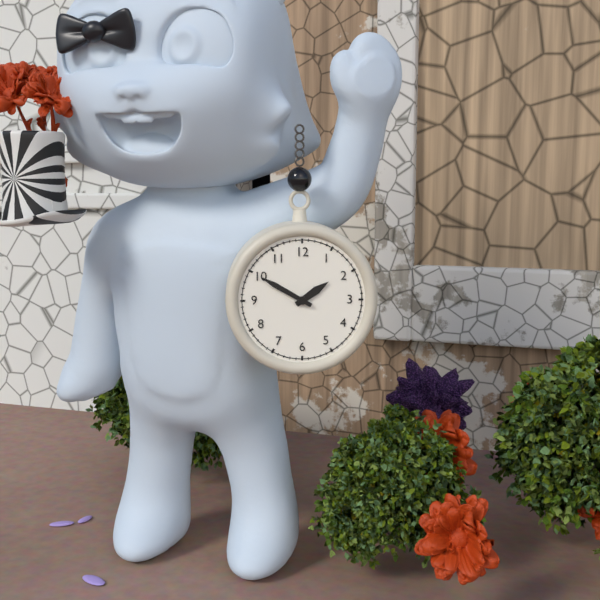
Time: h=1 m=50
